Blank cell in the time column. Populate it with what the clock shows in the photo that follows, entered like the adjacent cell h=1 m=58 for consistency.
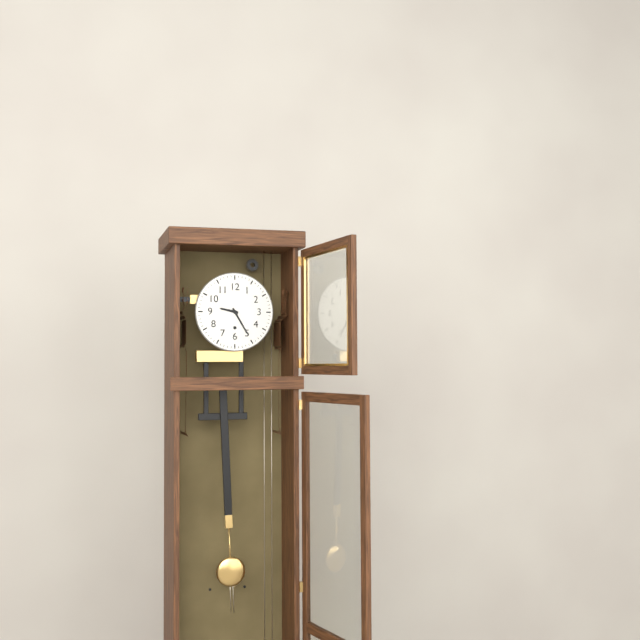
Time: h=9 m=25
